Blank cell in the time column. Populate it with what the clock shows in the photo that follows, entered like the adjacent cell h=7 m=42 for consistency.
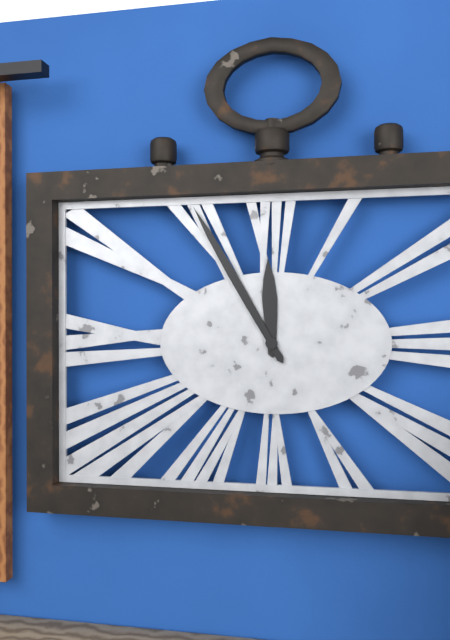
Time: h=11 m=55
